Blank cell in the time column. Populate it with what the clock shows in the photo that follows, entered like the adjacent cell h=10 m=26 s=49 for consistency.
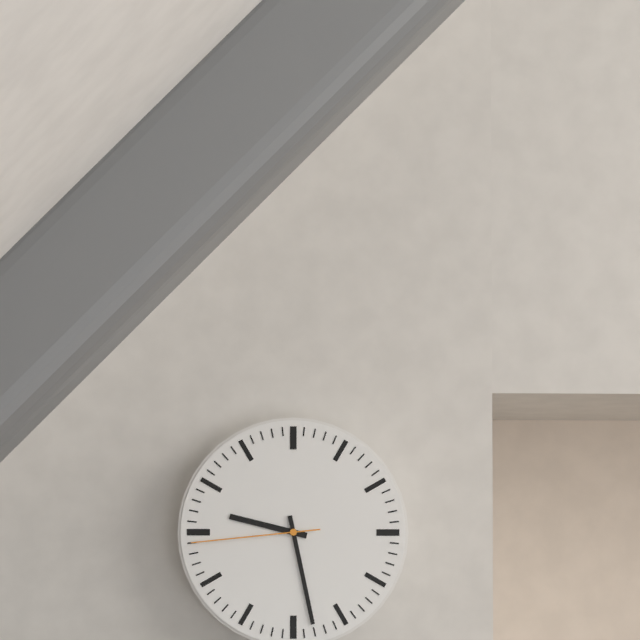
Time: h=9 m=28 s=44
